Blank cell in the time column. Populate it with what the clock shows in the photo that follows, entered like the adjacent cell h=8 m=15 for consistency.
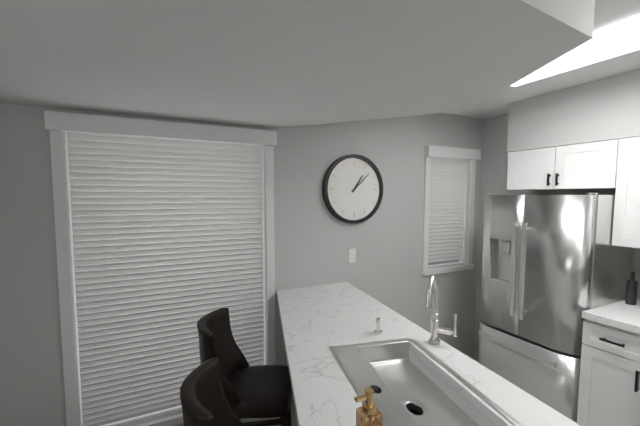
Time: h=1 m=8
